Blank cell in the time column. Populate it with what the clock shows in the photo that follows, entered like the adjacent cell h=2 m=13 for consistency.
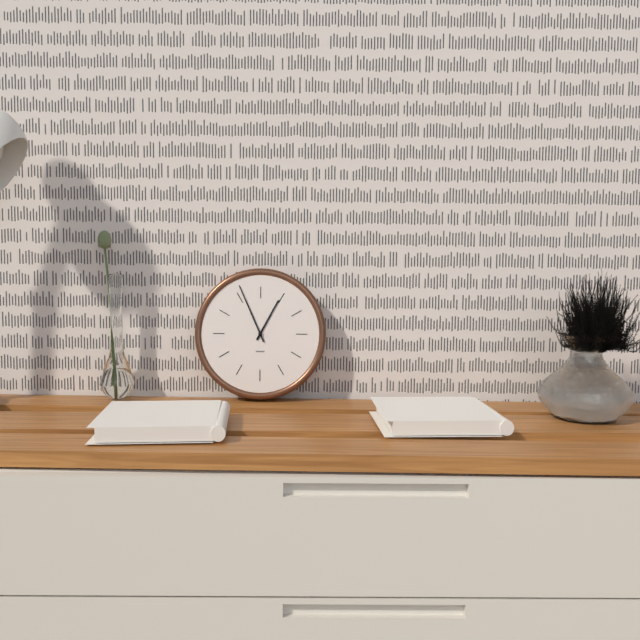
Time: h=12 m=56
